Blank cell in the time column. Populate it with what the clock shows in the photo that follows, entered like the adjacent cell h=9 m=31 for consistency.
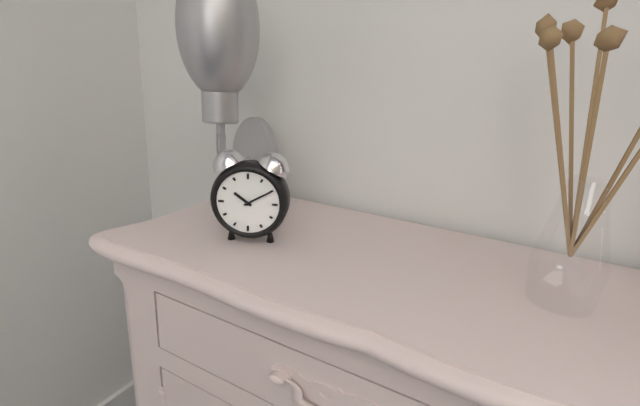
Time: h=10 m=10
